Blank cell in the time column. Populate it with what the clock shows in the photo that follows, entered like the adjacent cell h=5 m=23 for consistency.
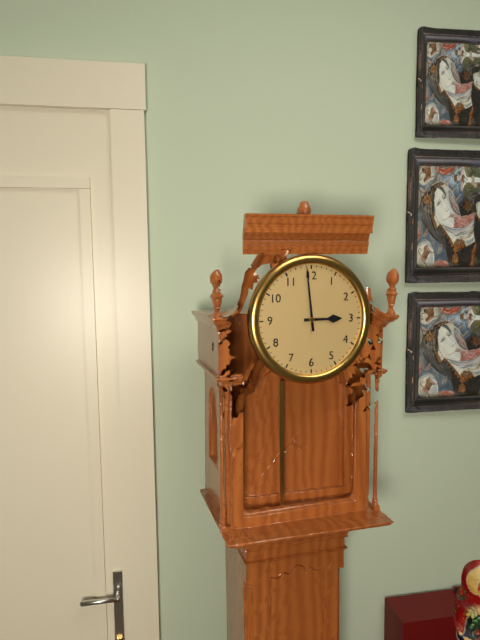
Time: h=2 m=59
